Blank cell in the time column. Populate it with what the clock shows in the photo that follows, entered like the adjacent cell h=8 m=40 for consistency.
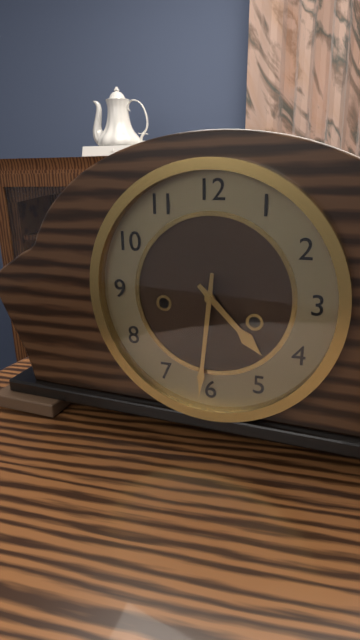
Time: h=4 m=31
